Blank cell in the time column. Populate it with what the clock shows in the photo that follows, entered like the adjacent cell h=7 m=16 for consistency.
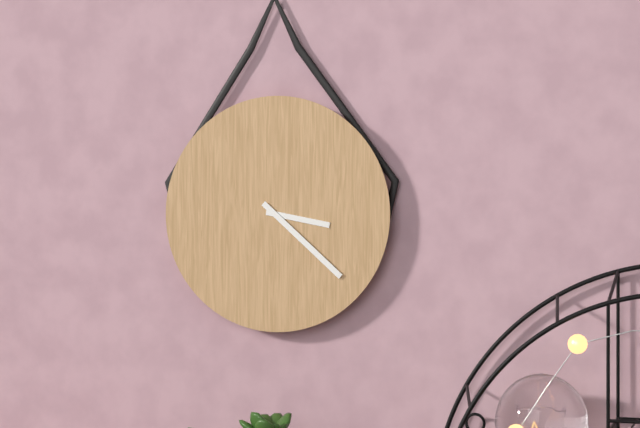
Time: h=3 m=22
